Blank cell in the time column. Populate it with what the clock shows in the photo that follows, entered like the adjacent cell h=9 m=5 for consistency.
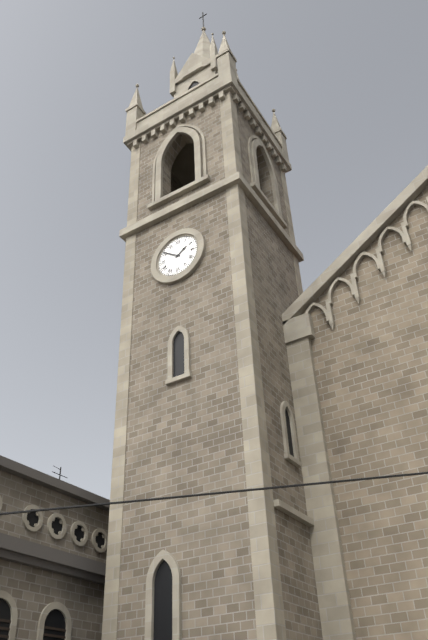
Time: h=1 m=51
